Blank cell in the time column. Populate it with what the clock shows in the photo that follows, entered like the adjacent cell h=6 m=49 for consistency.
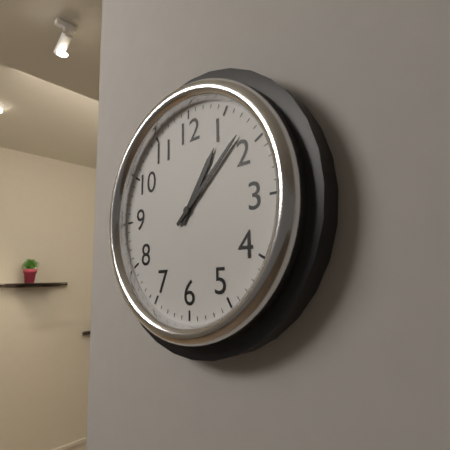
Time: h=1 m=8
